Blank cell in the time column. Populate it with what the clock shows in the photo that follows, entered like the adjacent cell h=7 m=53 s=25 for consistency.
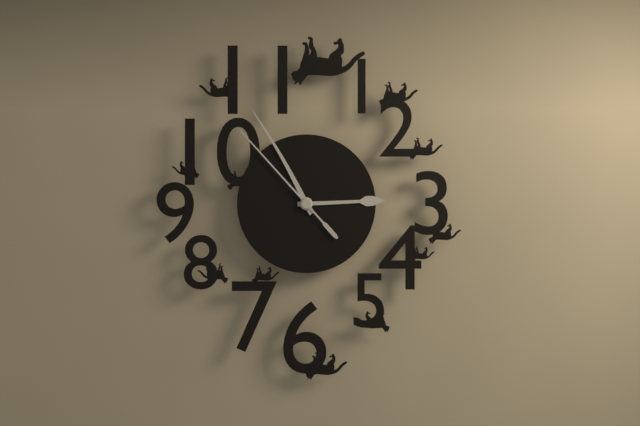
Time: h=2 m=55 s=53
